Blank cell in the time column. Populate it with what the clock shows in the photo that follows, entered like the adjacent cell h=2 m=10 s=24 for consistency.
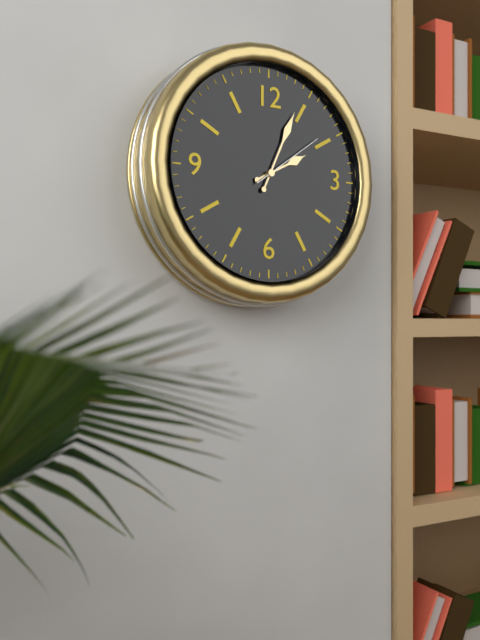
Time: h=2 m=4 s=9
